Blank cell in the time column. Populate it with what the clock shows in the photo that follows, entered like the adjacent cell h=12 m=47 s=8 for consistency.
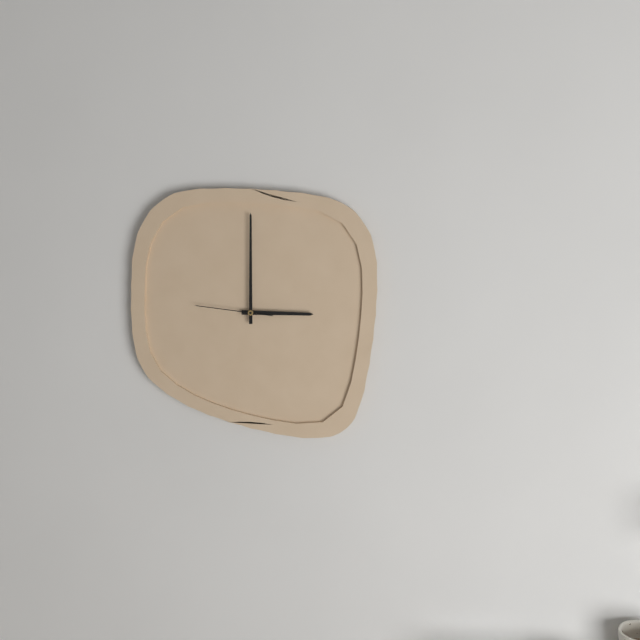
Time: h=3 m=0 s=46
